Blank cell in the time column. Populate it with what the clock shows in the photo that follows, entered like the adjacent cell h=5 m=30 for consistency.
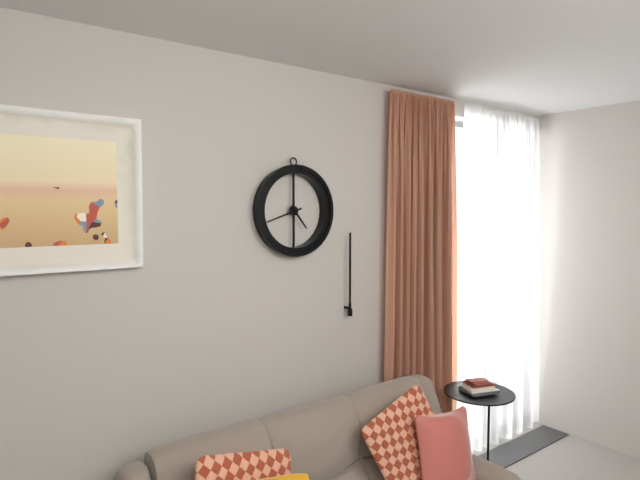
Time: h=4 m=42
